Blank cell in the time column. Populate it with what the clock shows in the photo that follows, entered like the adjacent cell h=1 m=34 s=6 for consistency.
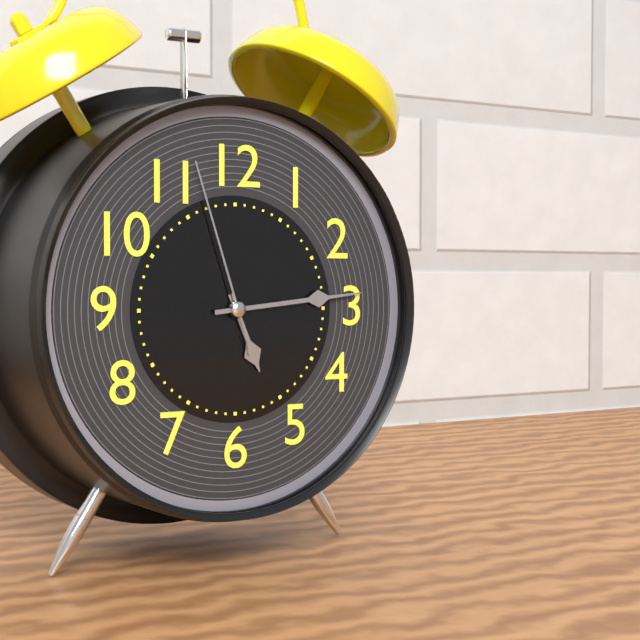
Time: h=5 m=14 s=57
